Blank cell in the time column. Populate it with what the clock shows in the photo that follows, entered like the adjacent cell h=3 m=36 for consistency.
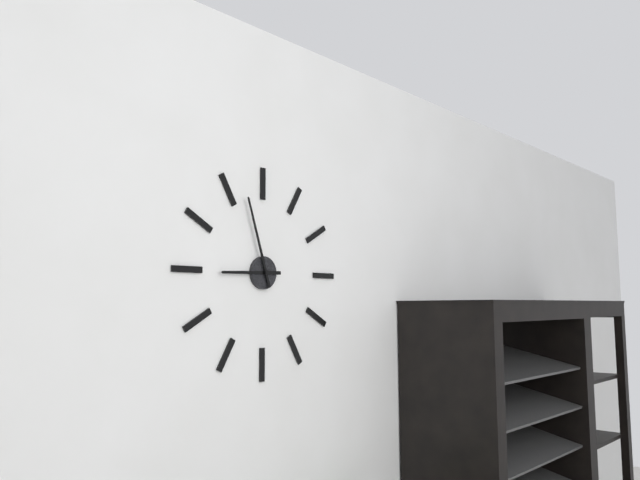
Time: h=8 m=57
